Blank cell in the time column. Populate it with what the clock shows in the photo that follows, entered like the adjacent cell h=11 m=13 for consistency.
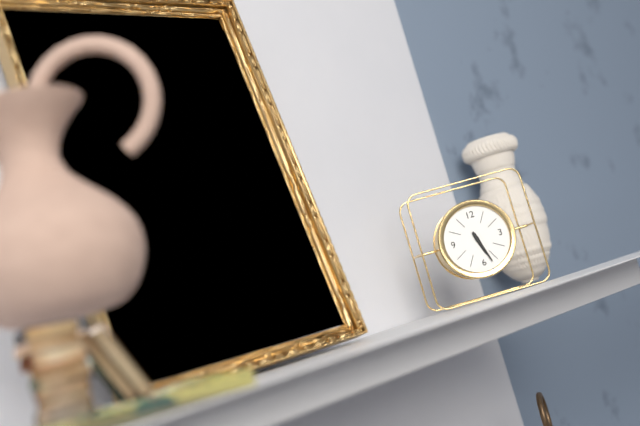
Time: h=5 m=27
